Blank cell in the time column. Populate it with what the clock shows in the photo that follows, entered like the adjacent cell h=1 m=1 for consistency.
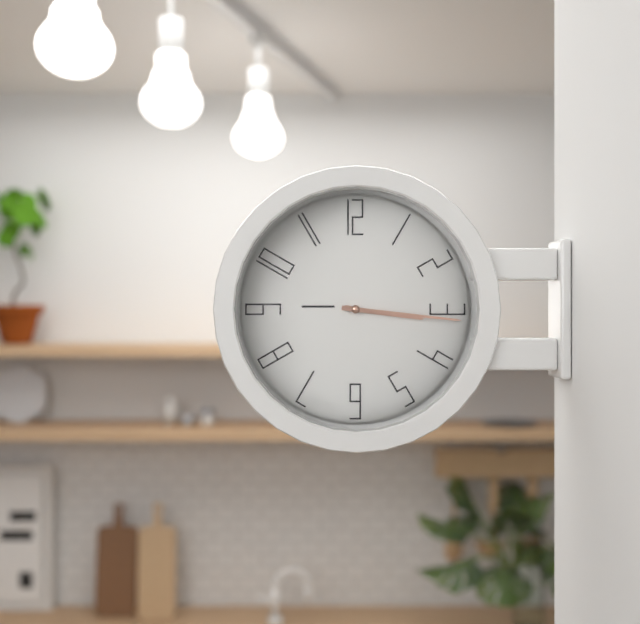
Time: h=3 m=16
